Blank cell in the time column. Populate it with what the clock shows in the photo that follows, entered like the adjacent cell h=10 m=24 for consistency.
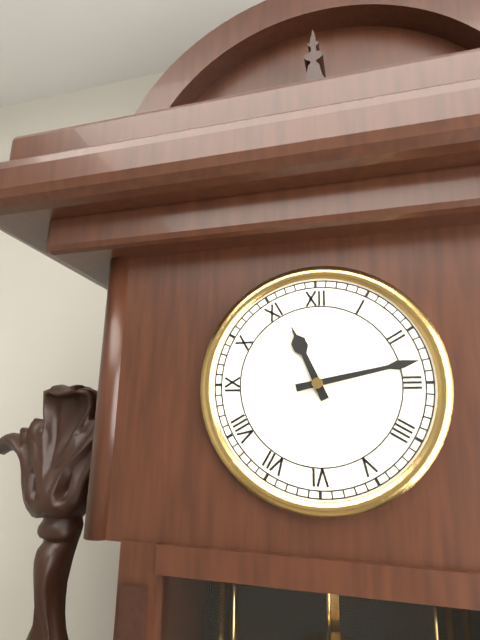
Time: h=11 m=13
